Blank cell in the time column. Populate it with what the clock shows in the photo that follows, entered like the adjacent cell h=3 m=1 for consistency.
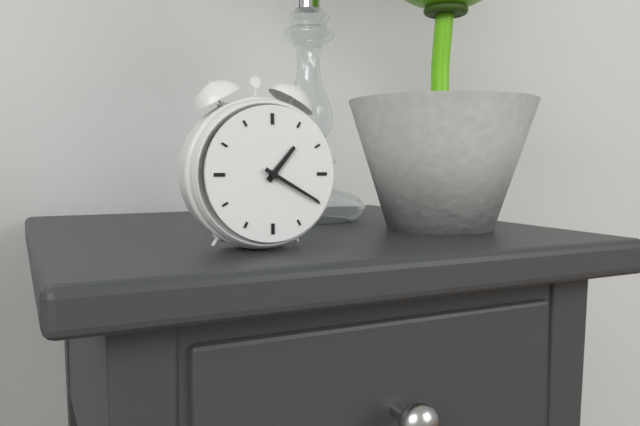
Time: h=1 m=20
